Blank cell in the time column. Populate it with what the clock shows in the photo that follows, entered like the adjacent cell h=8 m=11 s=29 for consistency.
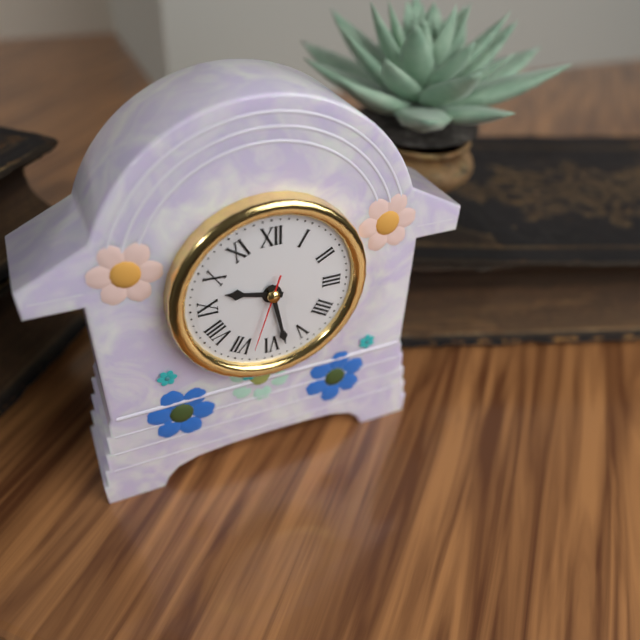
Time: h=9 m=28 s=33
